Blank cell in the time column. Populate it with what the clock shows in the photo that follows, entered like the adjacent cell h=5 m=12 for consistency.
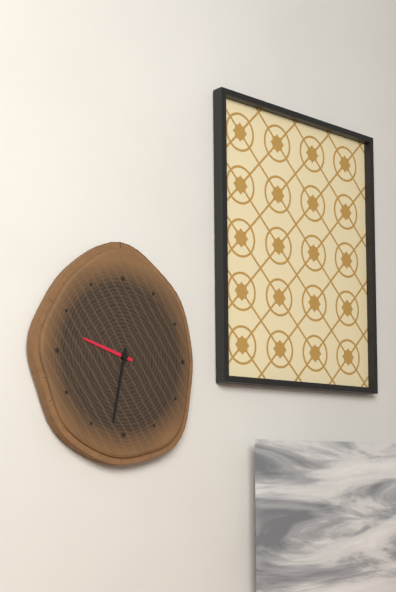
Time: h=9 m=32
